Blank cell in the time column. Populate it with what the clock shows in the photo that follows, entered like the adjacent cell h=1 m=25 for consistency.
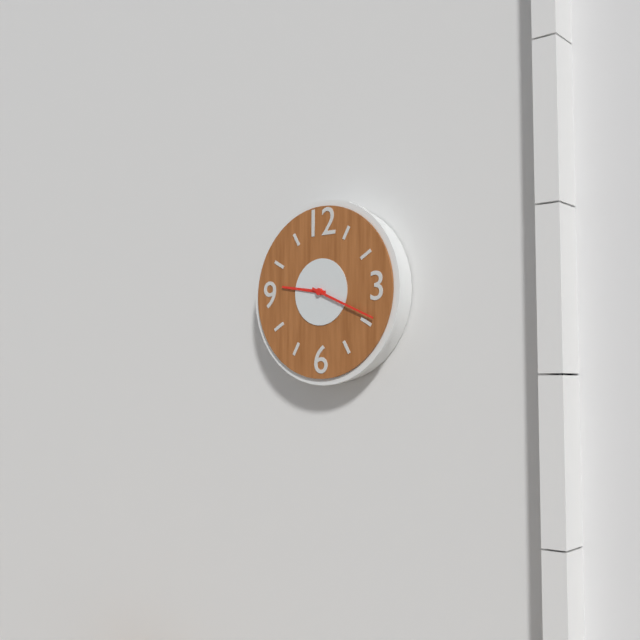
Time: h=9 m=19
